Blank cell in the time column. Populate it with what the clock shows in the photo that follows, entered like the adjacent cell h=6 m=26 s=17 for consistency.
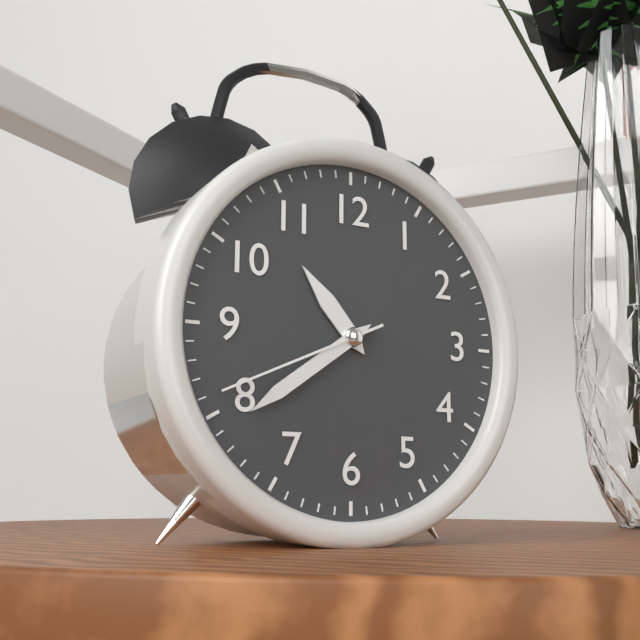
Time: h=10 m=39 s=41
